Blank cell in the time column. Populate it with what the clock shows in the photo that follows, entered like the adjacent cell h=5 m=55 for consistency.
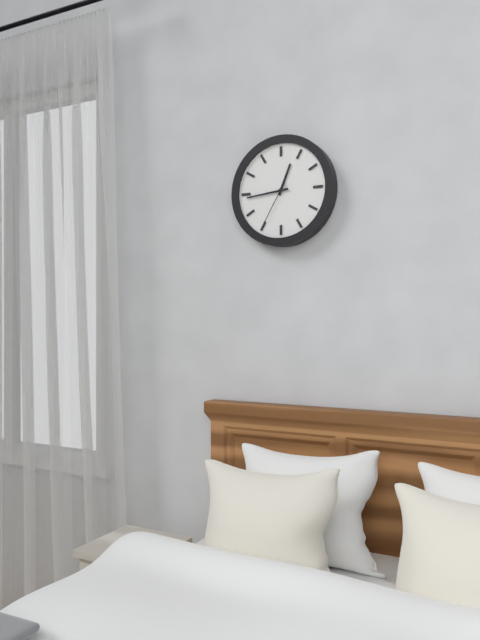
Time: h=12 m=44
